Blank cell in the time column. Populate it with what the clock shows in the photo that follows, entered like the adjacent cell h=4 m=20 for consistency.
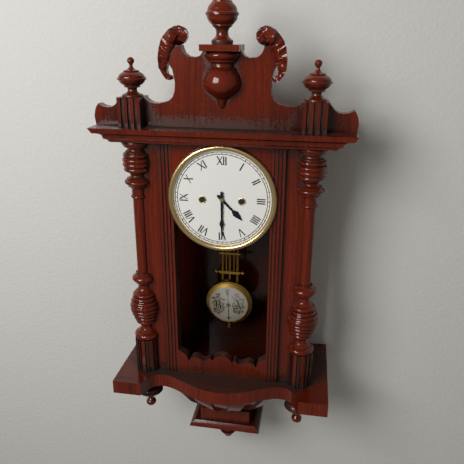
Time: h=4 m=30
